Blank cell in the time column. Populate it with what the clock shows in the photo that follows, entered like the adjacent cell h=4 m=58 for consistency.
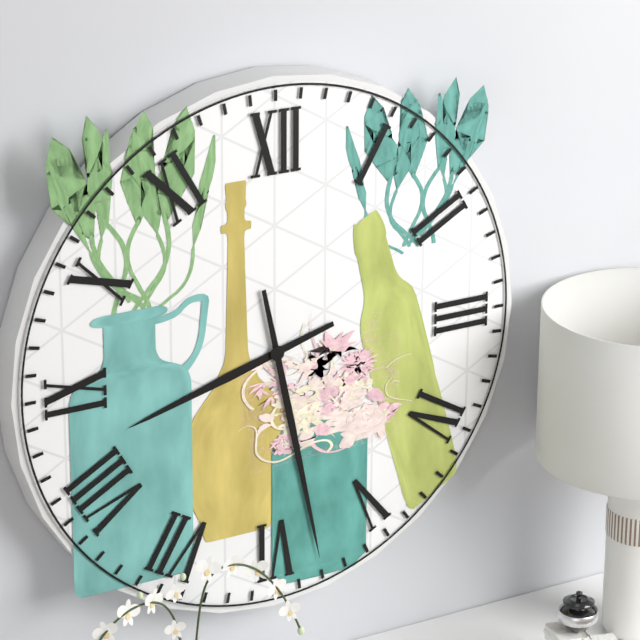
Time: h=8 m=28
